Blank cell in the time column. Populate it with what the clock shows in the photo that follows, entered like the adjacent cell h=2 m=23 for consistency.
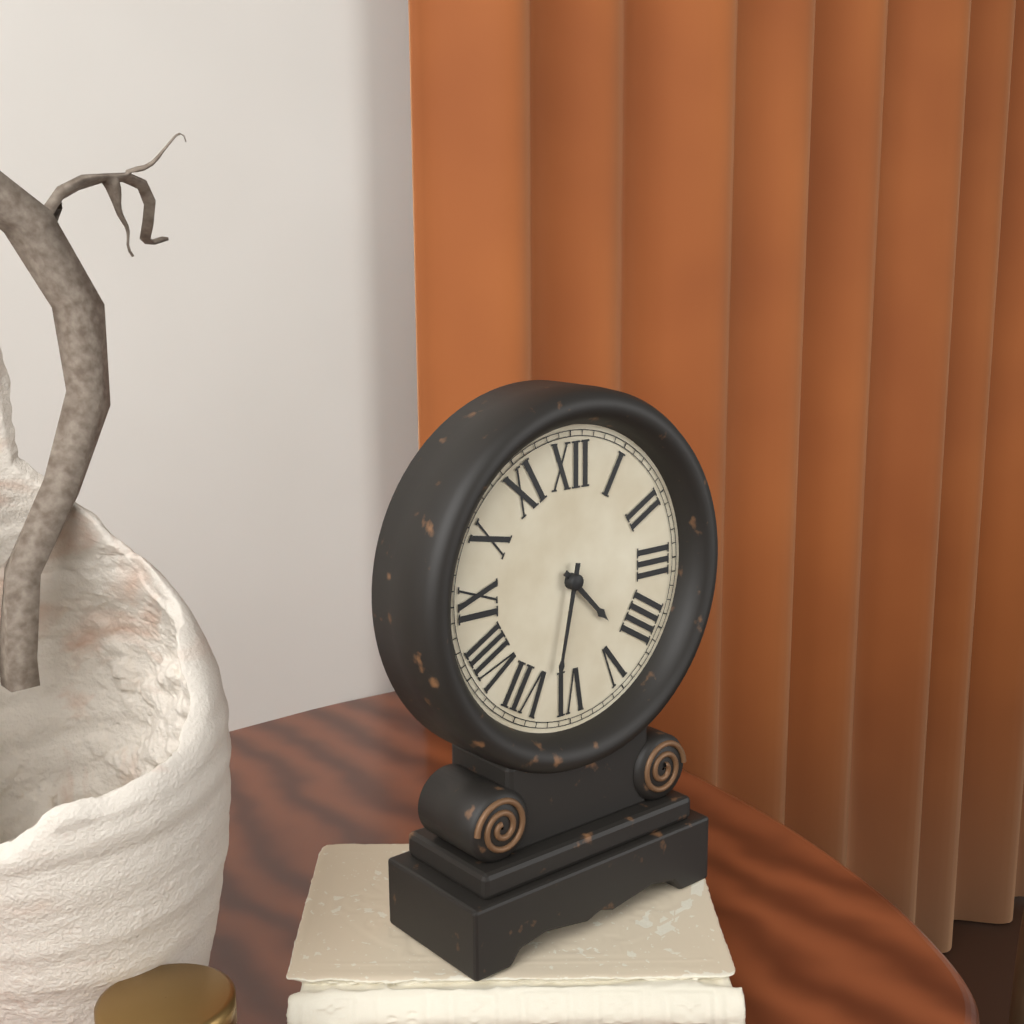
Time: h=4 m=32
